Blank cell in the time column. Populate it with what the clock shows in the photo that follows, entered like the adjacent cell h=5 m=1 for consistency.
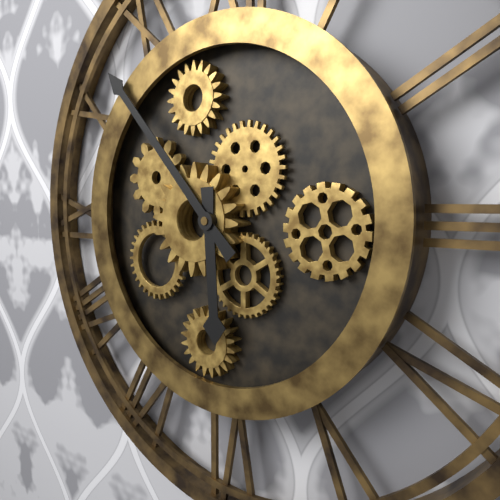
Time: h=5 m=53
